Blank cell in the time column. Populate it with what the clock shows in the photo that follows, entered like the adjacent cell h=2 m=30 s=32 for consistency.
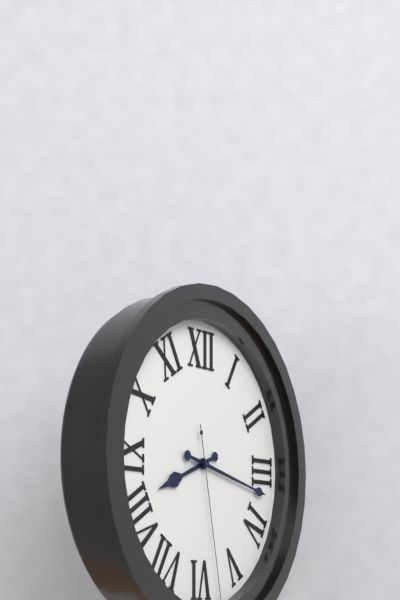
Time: h=8 m=17 s=28
